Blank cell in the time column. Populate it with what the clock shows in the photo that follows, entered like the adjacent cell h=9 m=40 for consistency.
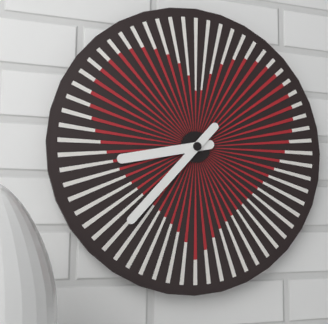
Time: h=8 m=37
